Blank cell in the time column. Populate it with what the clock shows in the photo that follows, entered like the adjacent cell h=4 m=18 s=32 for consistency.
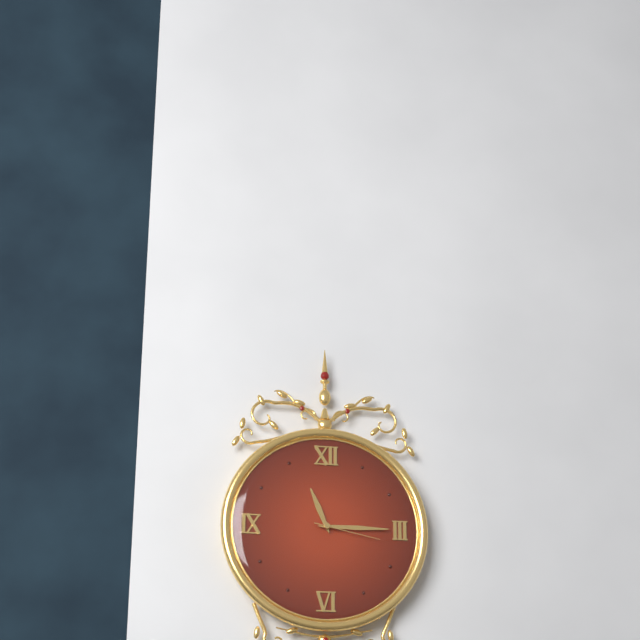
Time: h=11 m=15 s=17
